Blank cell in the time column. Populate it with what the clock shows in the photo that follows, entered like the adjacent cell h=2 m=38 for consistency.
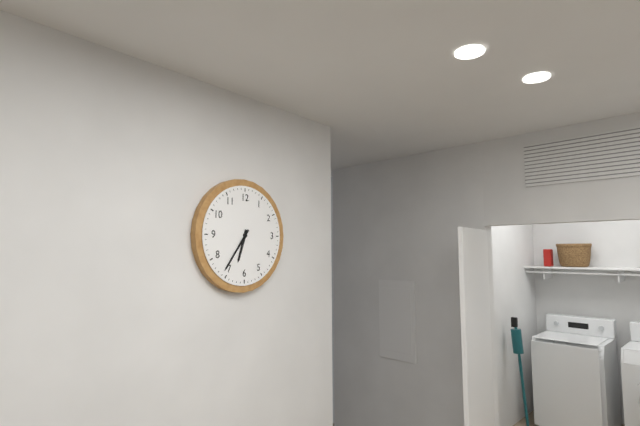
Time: h=6 m=36
